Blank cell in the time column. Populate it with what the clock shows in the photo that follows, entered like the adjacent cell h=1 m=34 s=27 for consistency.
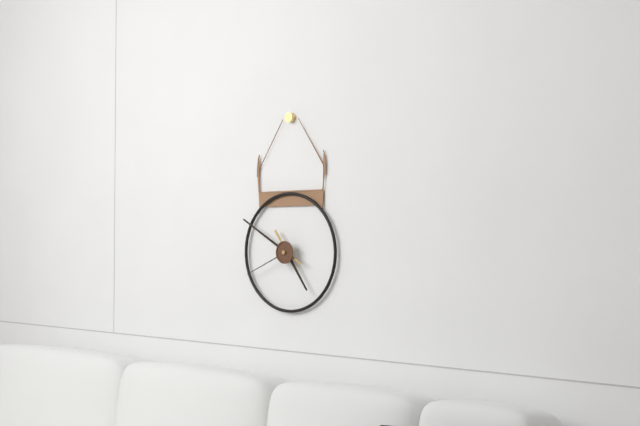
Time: h=4 m=50 s=41
